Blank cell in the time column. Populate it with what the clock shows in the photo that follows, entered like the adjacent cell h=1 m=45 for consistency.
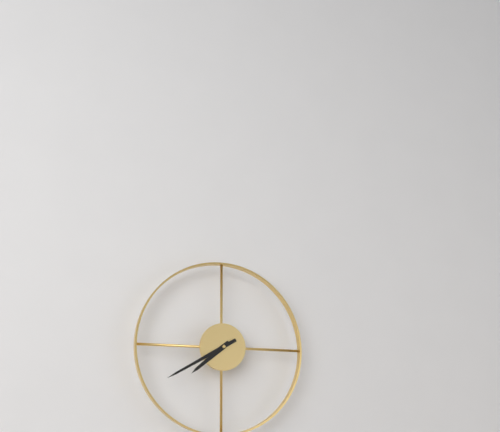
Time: h=7 m=40
